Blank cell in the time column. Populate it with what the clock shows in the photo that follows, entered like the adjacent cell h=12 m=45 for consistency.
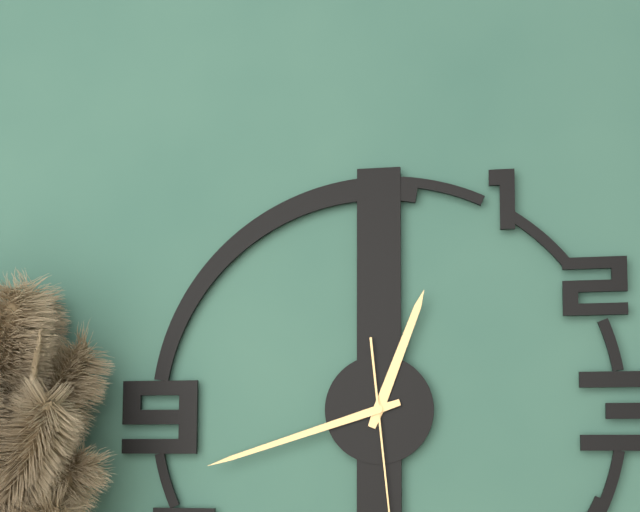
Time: h=12 m=42
